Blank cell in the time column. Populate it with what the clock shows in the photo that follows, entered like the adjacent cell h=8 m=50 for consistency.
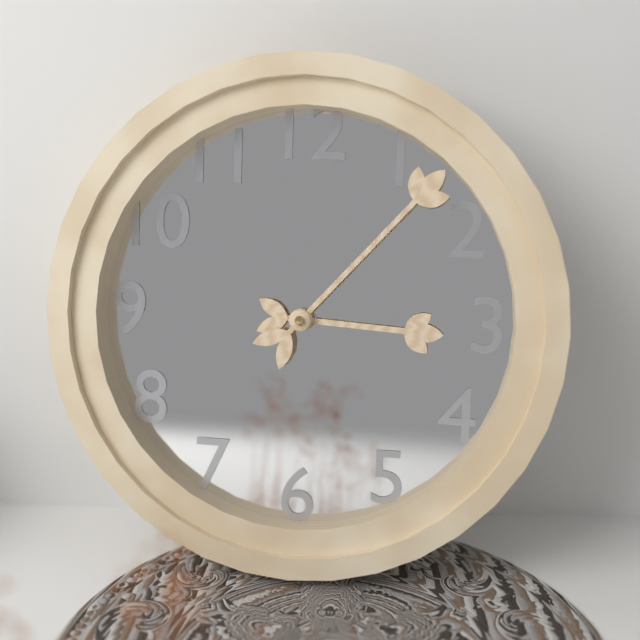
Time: h=3 m=7
